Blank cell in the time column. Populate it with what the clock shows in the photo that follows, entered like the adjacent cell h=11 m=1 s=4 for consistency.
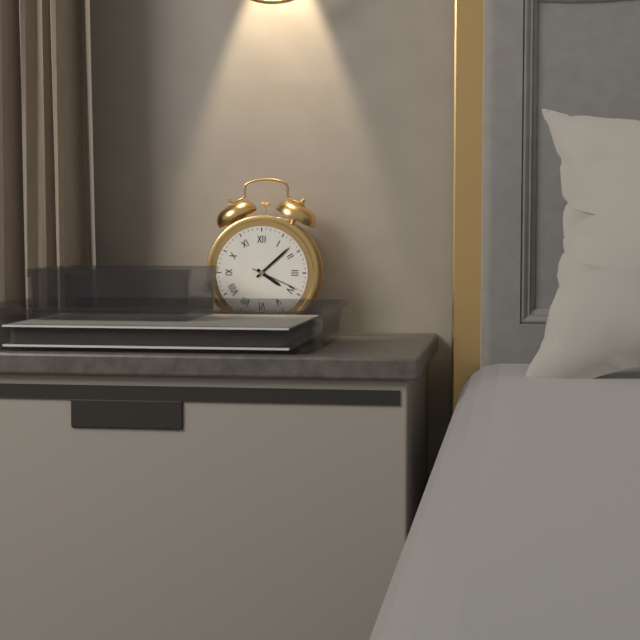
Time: h=4 m=8 s=19
